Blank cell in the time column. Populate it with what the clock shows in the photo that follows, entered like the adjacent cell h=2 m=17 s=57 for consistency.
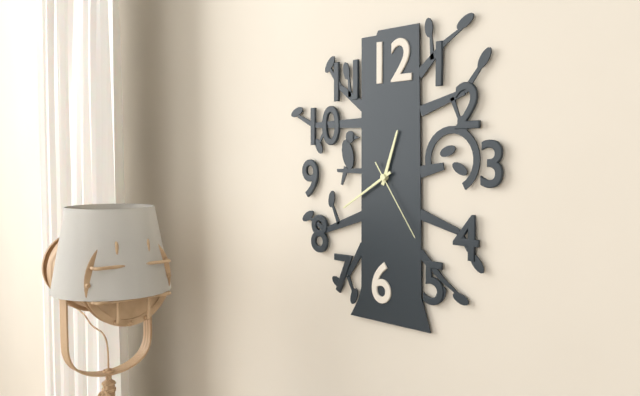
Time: h=12 m=40 s=24
